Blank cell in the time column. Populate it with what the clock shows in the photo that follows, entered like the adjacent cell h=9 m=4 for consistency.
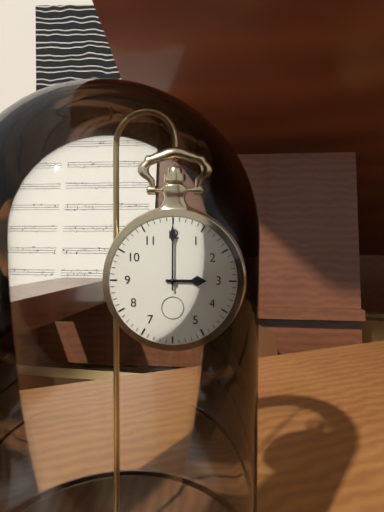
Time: h=3 m=0
